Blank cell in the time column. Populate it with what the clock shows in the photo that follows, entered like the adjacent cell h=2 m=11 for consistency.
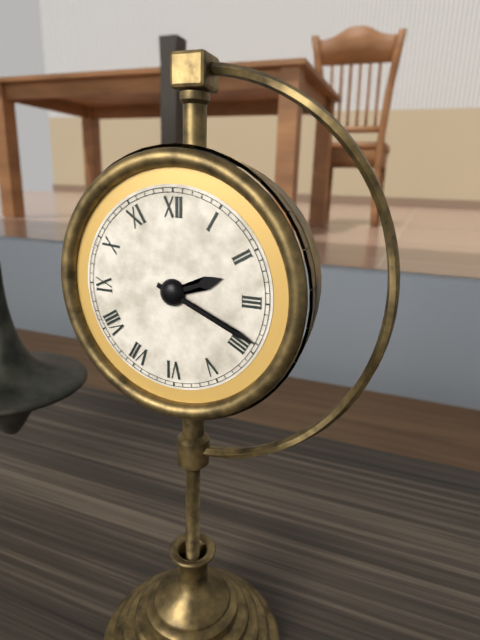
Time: h=2 m=19
